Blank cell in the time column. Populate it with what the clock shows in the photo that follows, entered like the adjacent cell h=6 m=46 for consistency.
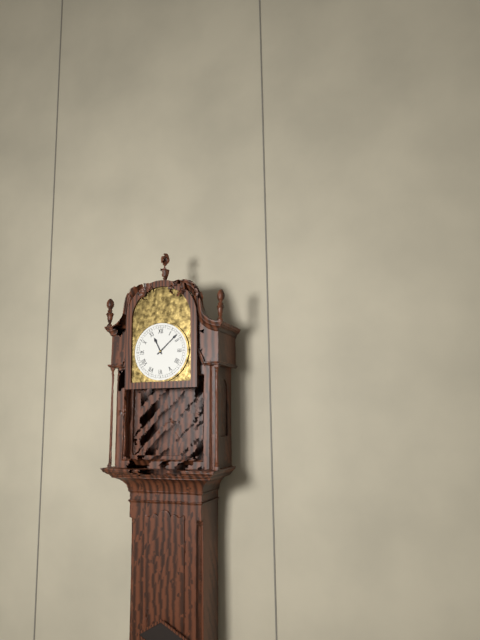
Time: h=11 m=8
